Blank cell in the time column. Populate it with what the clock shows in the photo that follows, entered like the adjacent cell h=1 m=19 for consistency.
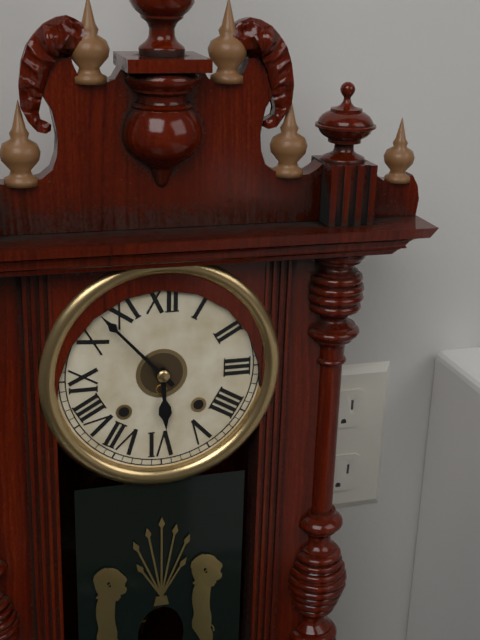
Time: h=5 m=53
